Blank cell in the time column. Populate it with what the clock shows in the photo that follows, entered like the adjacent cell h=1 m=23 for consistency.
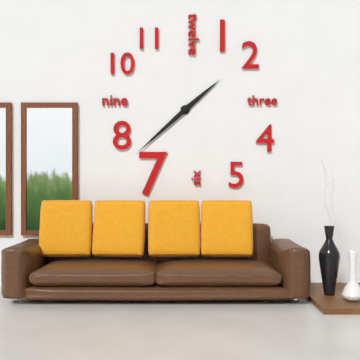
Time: h=1 m=38
